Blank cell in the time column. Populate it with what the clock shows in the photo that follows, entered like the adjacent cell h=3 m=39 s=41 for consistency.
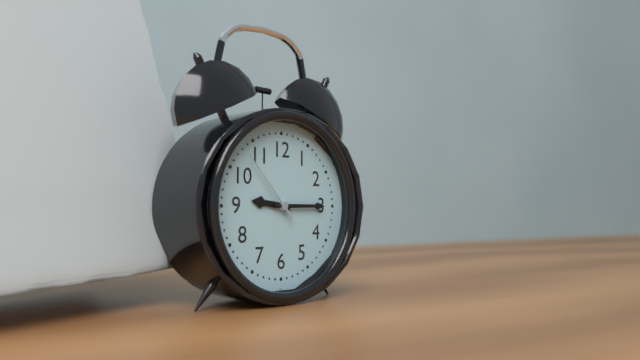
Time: h=9 m=15 s=53
